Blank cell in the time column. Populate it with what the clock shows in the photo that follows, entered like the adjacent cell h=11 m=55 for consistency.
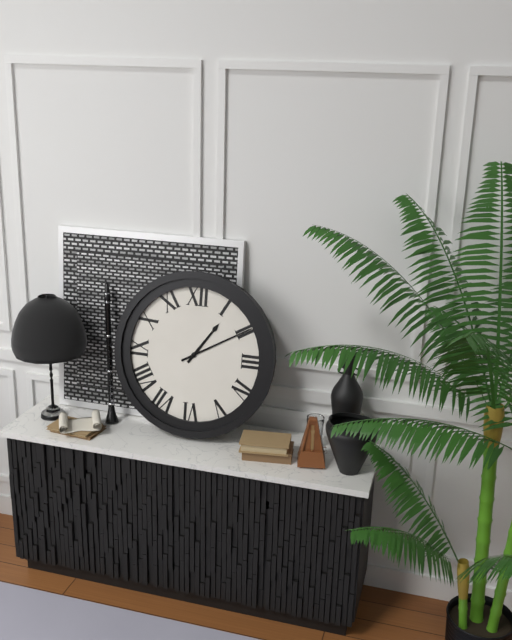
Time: h=1 m=10
